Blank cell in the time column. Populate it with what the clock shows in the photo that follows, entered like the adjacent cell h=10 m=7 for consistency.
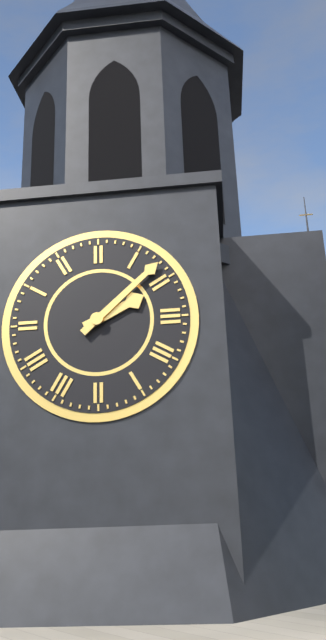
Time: h=2 m=8
